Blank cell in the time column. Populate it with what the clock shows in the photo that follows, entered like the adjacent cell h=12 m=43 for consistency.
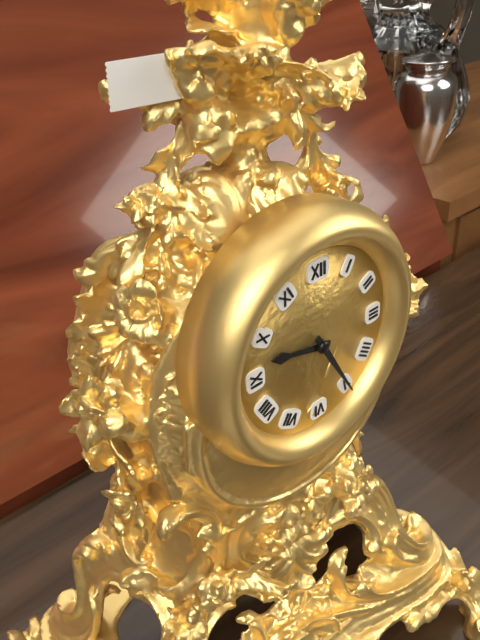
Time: h=9 m=25
